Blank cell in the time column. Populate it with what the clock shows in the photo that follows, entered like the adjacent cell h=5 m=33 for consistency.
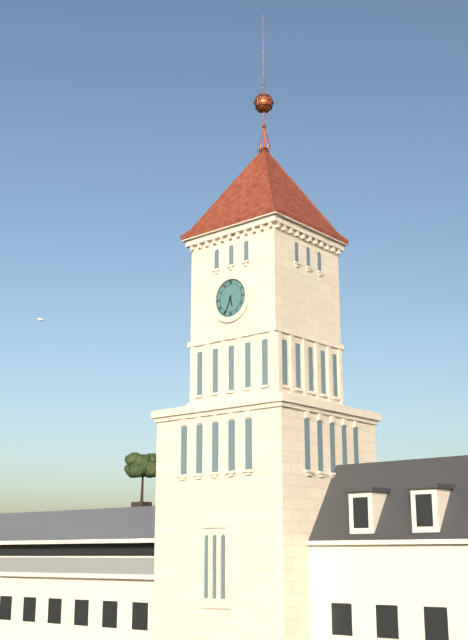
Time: h=5 m=34
